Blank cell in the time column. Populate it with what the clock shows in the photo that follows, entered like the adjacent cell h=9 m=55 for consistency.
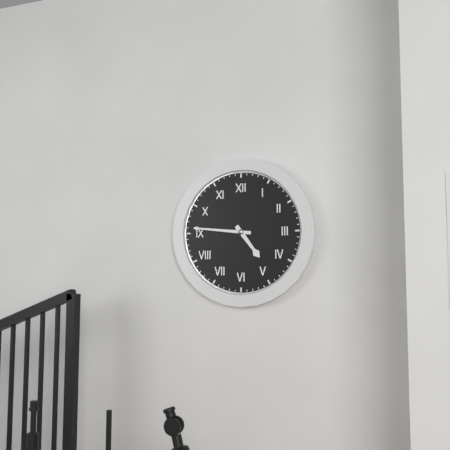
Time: h=4 m=46
